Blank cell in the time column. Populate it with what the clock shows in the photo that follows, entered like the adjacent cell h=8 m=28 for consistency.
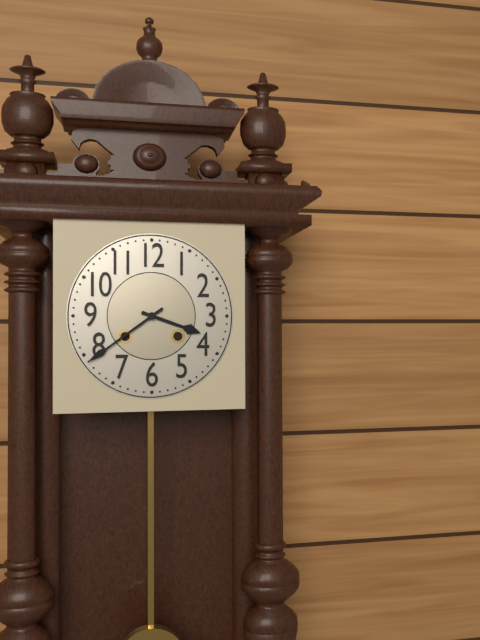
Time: h=3 m=39
